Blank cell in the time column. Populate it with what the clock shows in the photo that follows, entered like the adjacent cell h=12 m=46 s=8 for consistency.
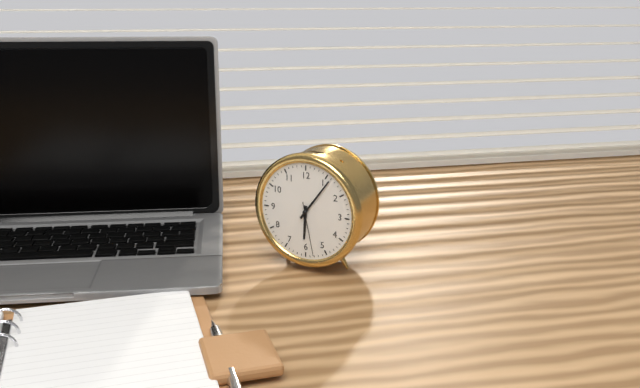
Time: h=6 m=6 s=28
